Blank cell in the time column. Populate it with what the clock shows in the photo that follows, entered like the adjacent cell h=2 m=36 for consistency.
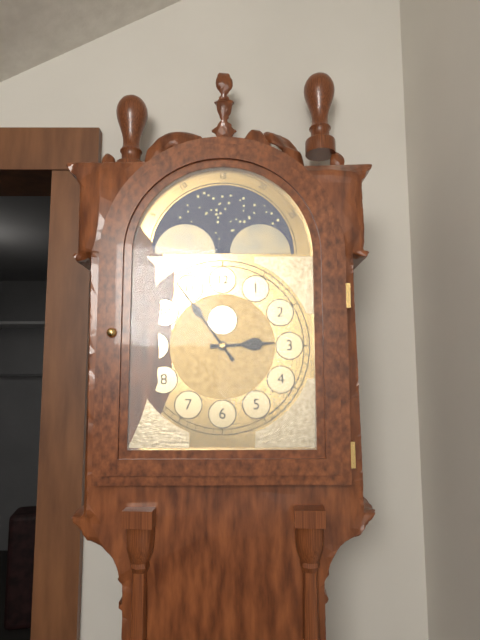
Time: h=2 m=54
